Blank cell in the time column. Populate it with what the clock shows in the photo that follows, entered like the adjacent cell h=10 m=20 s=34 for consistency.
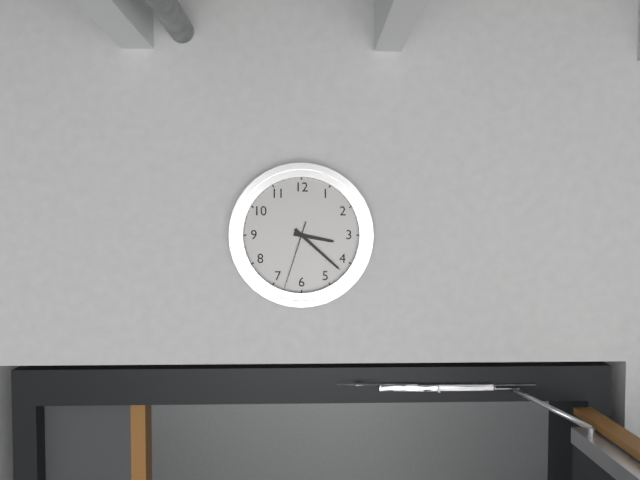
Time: h=3 m=22 s=33
